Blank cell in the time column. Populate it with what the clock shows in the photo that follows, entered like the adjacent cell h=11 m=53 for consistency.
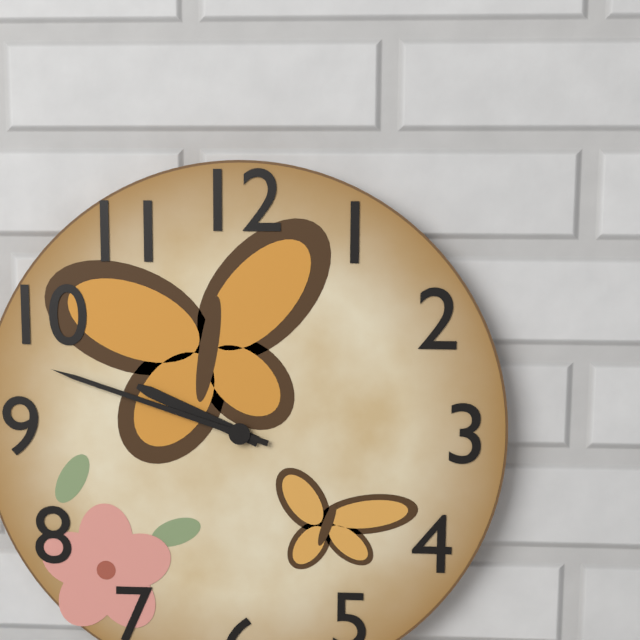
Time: h=9 m=48
